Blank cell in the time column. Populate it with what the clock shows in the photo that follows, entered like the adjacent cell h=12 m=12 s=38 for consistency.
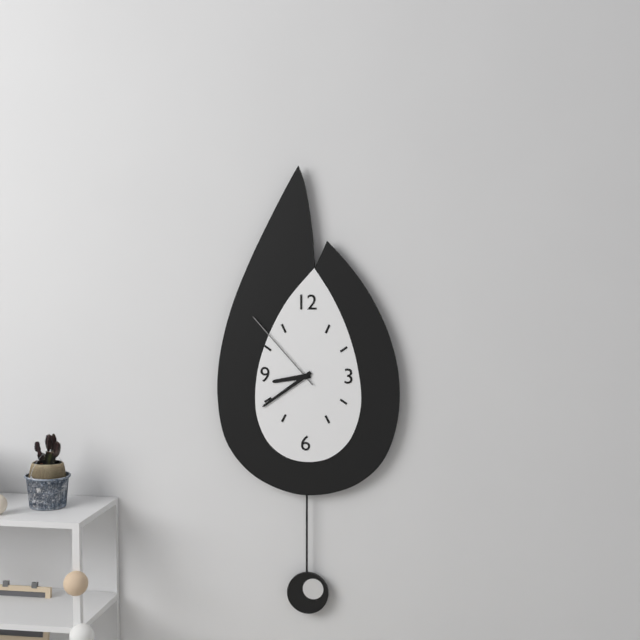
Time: h=8 m=39 s=53
